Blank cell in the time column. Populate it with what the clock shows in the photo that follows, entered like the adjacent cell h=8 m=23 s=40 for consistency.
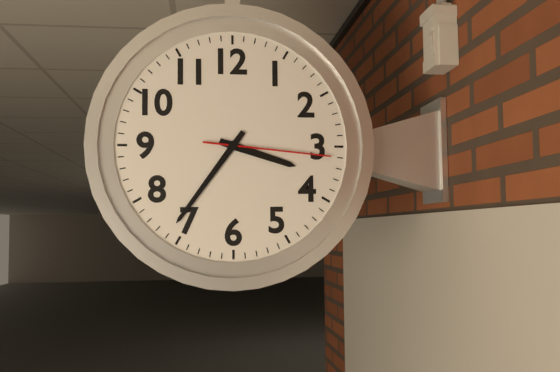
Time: h=3 m=36 s=16
